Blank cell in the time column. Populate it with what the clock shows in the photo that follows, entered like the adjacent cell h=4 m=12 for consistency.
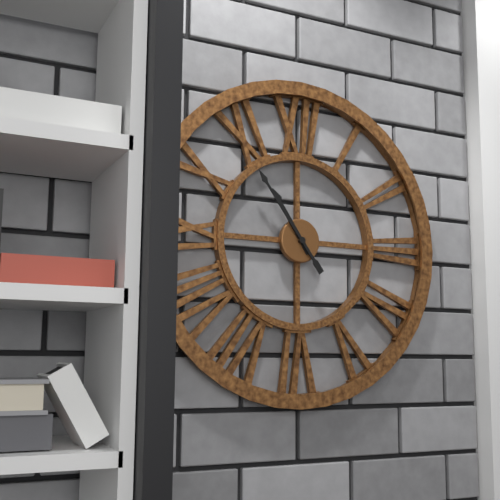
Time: h=10 m=54
